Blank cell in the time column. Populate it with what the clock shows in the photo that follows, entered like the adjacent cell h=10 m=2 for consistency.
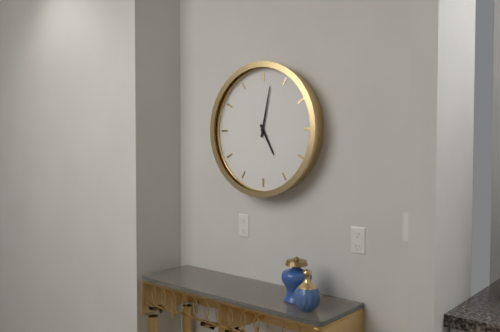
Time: h=5 m=2
